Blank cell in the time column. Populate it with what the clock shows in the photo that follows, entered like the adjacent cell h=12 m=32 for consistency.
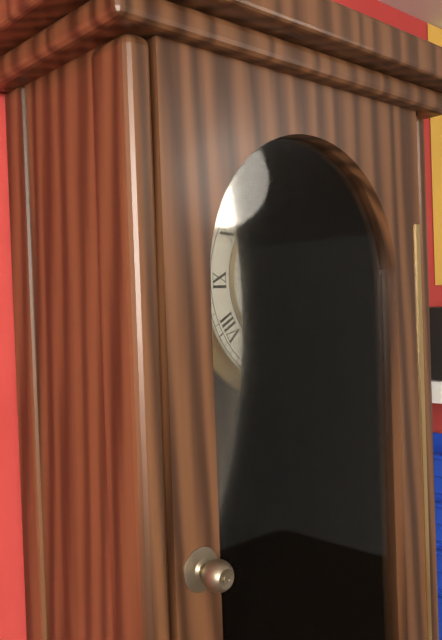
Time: h=8 m=0
